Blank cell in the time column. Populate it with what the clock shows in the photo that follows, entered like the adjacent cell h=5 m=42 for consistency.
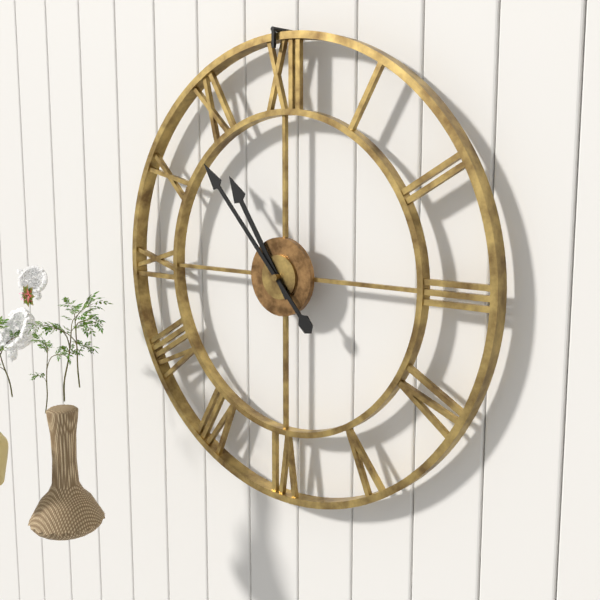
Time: h=10 m=53
